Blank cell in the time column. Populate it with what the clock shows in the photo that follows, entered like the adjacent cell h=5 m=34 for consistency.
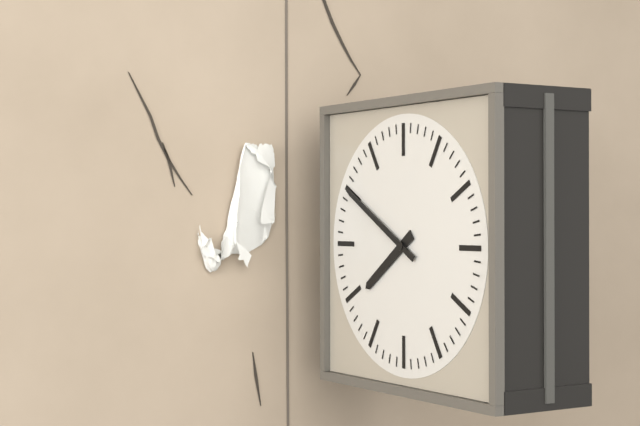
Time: h=7 m=50
